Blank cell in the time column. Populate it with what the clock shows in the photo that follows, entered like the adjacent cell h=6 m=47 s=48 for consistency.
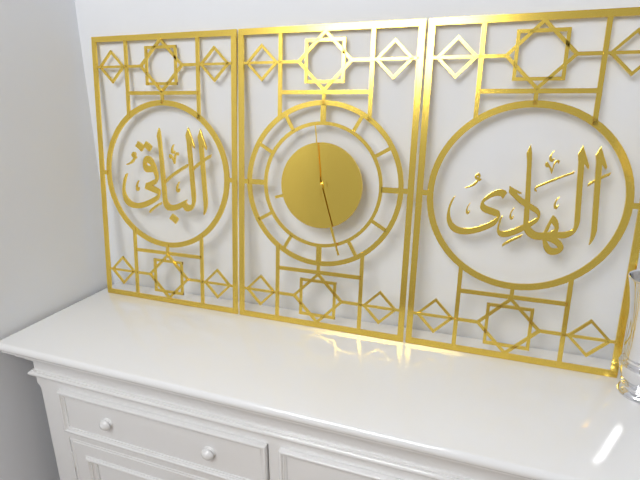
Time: h=8 m=27 s=59
